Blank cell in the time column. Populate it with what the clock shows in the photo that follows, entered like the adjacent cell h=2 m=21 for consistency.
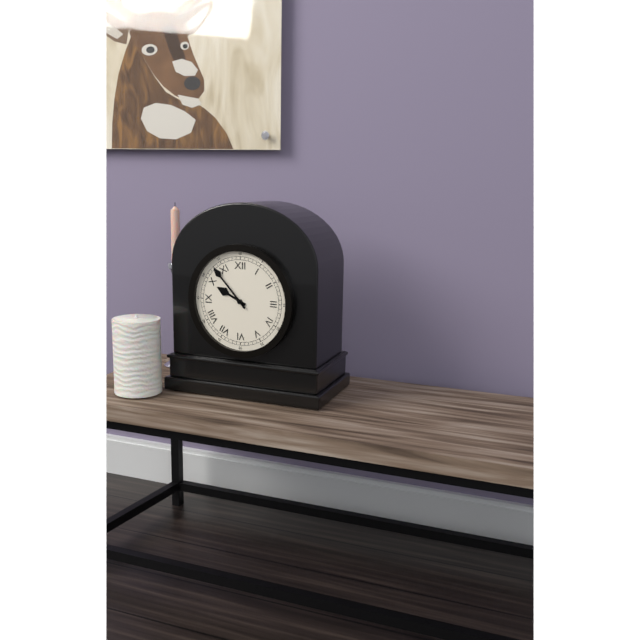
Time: h=9 m=53
